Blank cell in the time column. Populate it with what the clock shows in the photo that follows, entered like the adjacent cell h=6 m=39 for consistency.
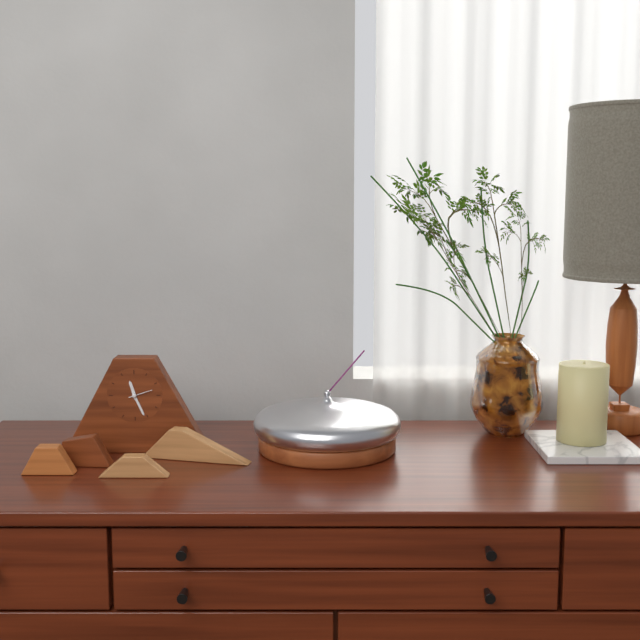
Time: h=11 m=26
